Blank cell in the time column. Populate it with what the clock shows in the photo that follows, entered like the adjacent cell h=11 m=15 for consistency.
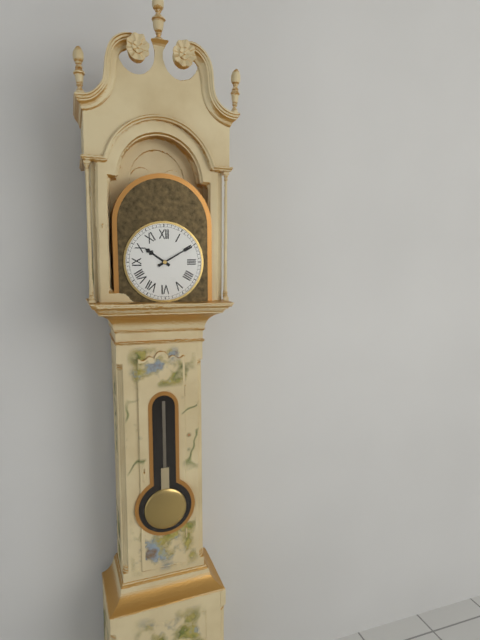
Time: h=10 m=10
